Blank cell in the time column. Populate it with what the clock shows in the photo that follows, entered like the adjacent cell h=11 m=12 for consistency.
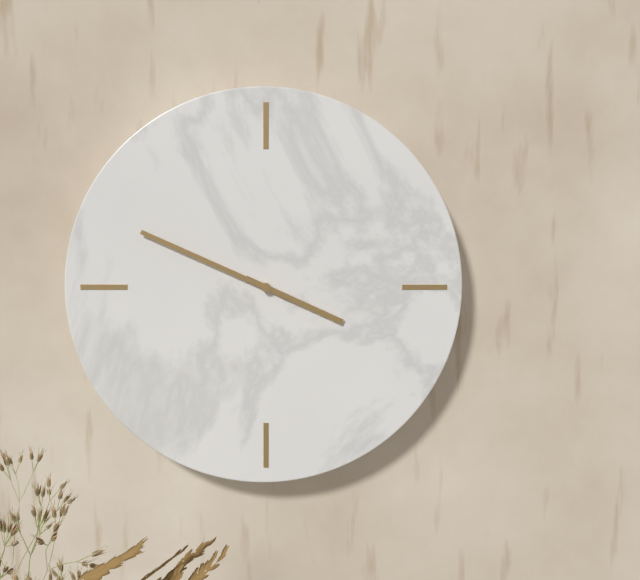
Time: h=3 m=49
